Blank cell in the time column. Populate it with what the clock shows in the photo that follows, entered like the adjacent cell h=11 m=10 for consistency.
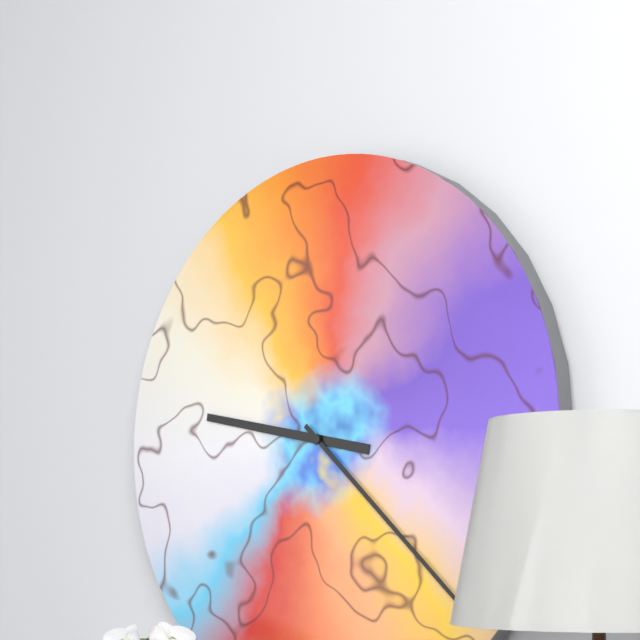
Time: h=9 m=22
